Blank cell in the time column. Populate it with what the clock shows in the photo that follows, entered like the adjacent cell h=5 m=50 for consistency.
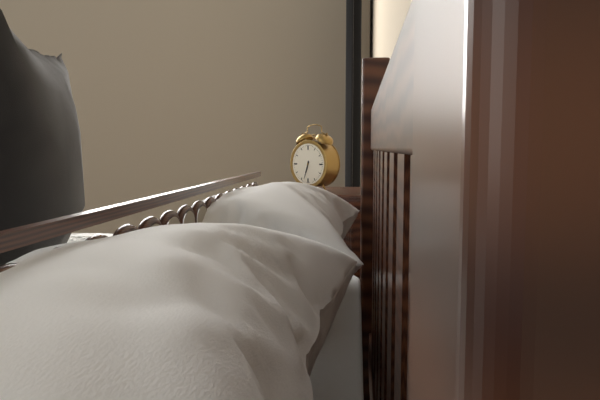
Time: h=6 m=33
